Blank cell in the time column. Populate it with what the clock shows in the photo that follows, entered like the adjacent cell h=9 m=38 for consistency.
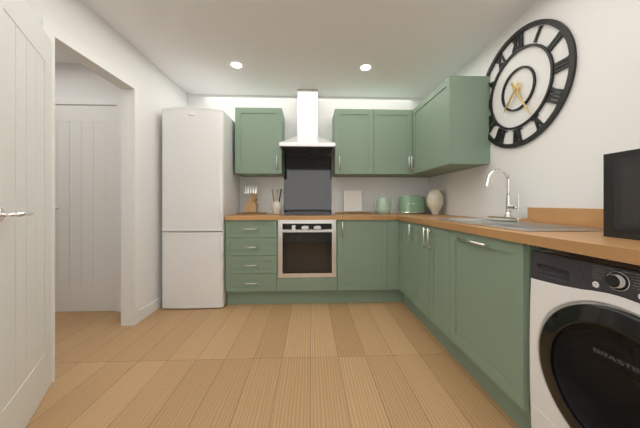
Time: h=7 m=25
